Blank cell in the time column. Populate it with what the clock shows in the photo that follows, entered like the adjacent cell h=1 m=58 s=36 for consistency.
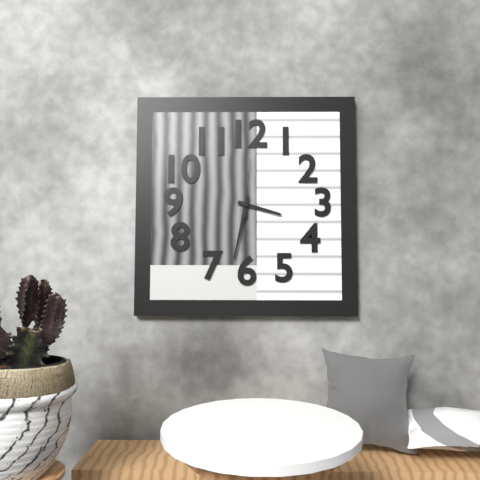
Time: h=3 m=32 s=1
